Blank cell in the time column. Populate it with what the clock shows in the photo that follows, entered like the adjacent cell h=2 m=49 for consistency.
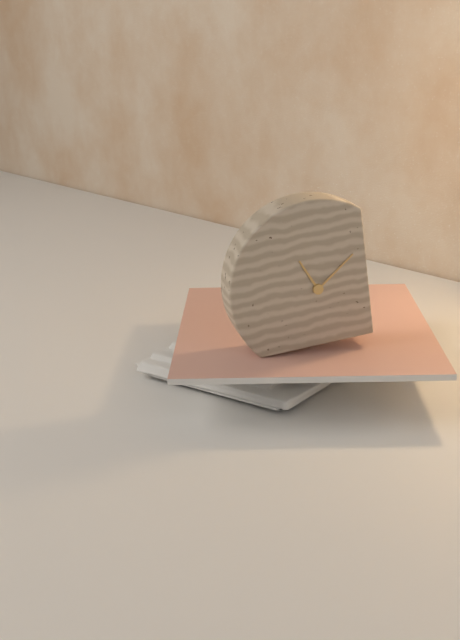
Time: h=11 m=9
